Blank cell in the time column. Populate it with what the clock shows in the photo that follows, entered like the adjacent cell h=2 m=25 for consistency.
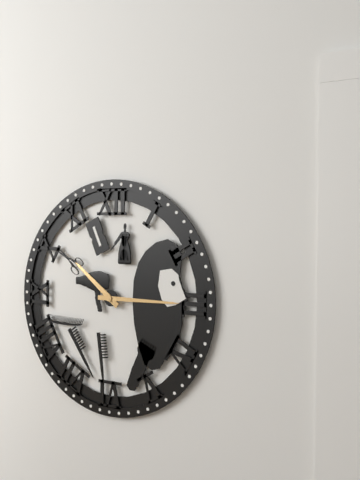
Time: h=10 m=15
